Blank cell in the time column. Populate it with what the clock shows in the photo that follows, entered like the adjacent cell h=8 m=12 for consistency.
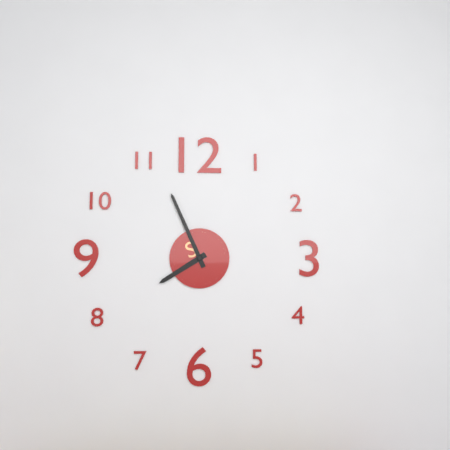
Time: h=7 m=56
